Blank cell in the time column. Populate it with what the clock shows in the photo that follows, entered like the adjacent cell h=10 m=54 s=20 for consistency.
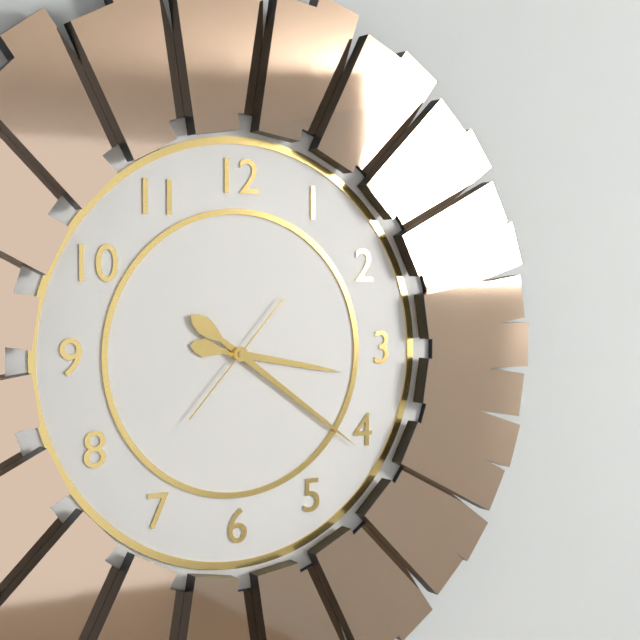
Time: h=3 m=21 s=37
